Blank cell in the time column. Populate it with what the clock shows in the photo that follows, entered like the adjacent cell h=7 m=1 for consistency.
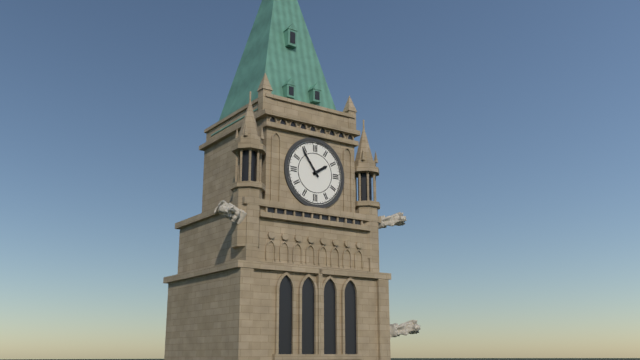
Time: h=1 m=54
